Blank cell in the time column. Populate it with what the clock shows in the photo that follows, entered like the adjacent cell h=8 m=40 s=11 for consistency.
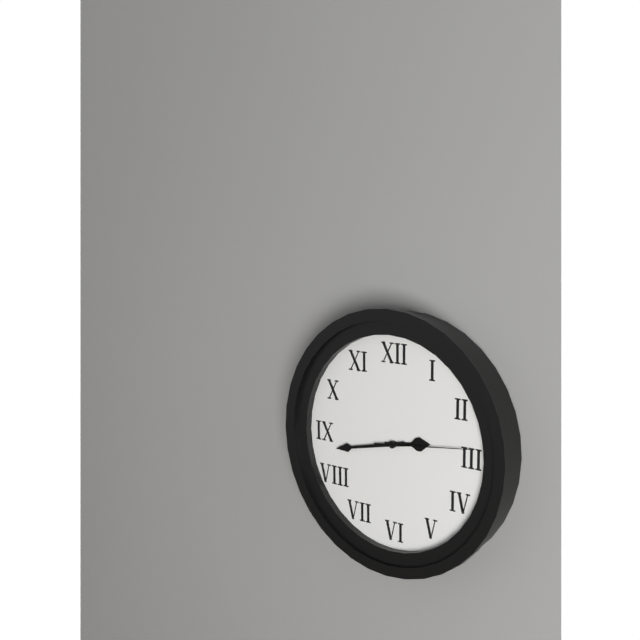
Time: h=2 m=43 s=14
